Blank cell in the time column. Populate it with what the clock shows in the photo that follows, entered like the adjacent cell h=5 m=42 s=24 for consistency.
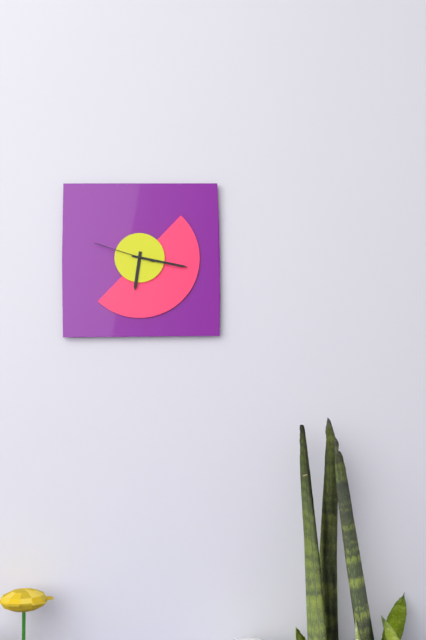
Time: h=6 m=17 s=48
